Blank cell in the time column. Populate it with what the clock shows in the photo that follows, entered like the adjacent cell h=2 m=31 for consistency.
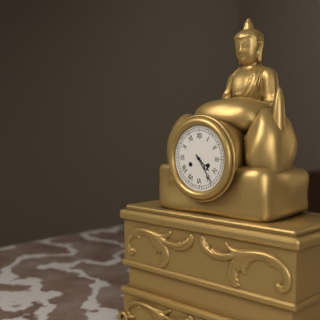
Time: h=4 m=24
